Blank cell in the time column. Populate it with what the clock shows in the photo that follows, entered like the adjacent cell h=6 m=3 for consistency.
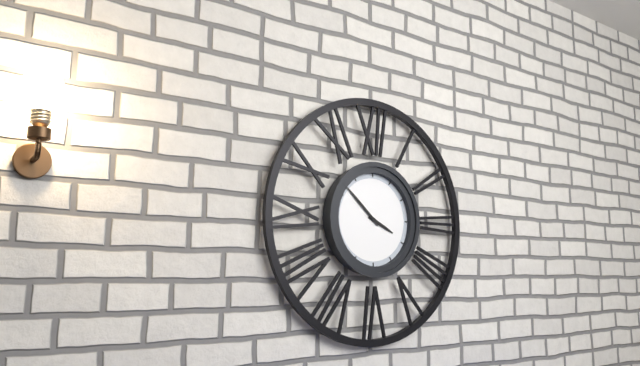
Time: h=3 m=52
